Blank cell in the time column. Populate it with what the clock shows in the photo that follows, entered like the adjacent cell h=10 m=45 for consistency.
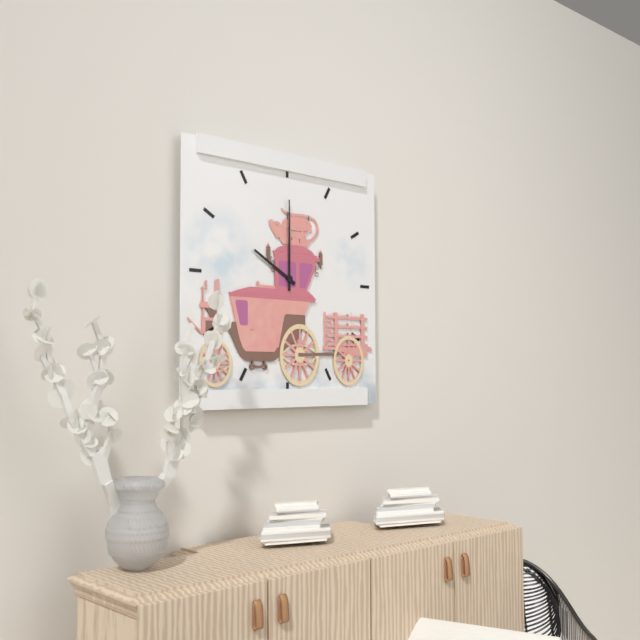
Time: h=10 m=0
